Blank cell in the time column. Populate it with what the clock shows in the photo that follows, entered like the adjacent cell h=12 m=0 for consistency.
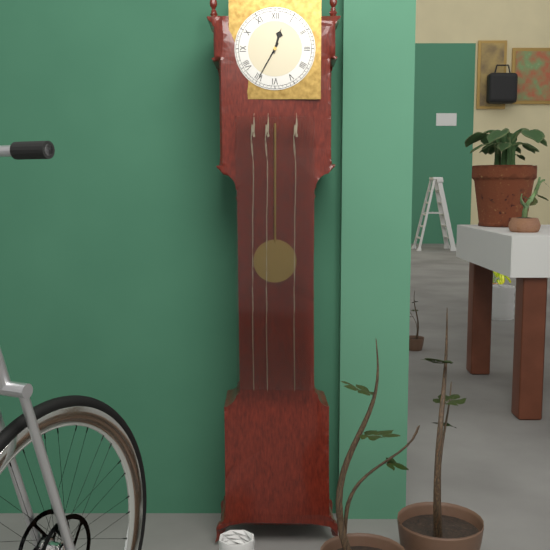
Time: h=12 m=35
